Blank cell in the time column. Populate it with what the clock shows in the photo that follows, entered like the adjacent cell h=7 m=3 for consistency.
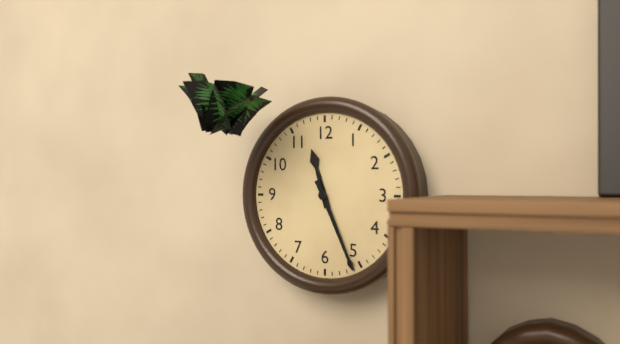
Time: h=11 m=26
